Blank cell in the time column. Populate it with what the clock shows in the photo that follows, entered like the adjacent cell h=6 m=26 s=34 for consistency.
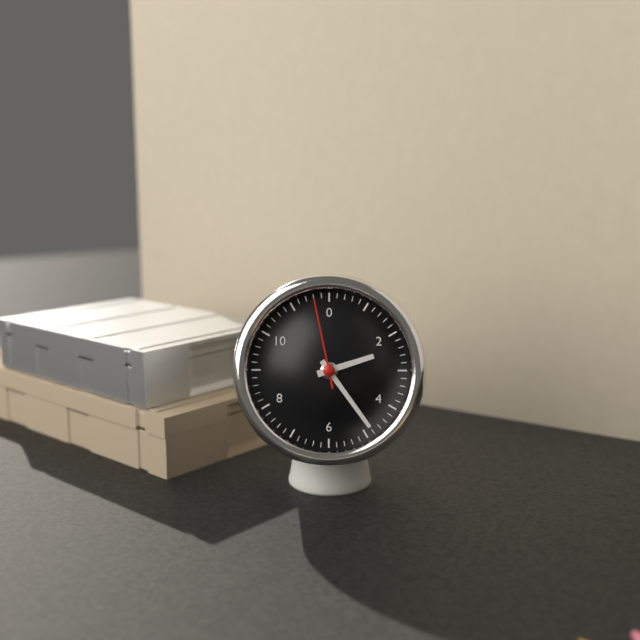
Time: h=2 m=24 s=58
